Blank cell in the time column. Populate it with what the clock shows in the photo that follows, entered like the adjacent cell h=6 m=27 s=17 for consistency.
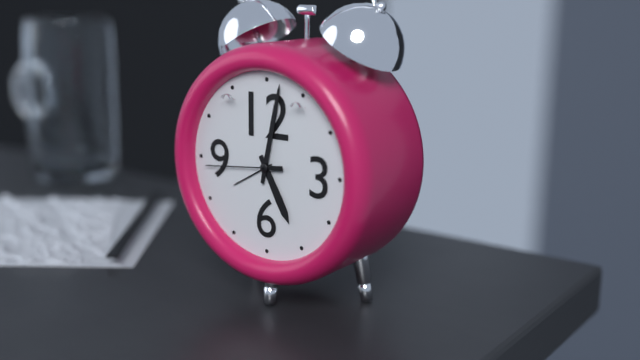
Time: h=5 m=2 s=44
